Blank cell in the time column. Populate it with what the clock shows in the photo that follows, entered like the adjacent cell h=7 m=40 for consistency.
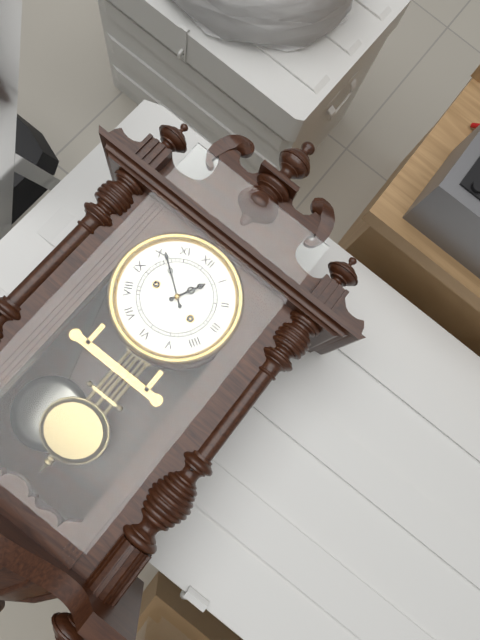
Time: h=12 m=51
